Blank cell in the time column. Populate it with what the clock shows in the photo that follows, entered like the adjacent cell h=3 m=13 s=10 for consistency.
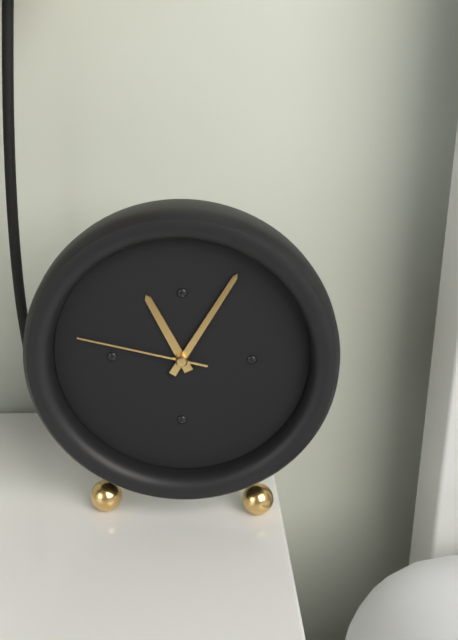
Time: h=11 m=5 s=47
